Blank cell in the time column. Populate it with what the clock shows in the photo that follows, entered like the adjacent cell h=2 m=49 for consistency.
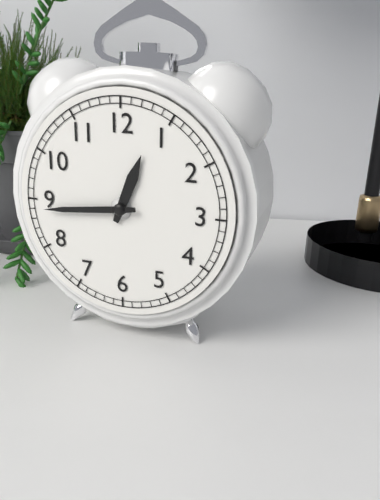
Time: h=12 m=44
